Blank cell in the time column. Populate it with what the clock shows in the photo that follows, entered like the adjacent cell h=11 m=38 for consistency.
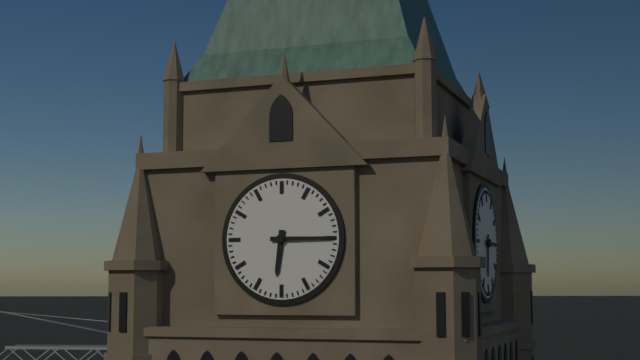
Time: h=6 m=15
